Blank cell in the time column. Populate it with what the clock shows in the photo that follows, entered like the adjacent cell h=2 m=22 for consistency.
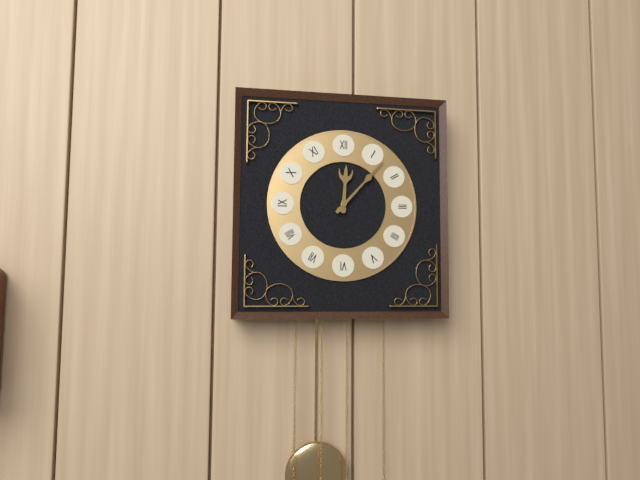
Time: h=12 m=7
